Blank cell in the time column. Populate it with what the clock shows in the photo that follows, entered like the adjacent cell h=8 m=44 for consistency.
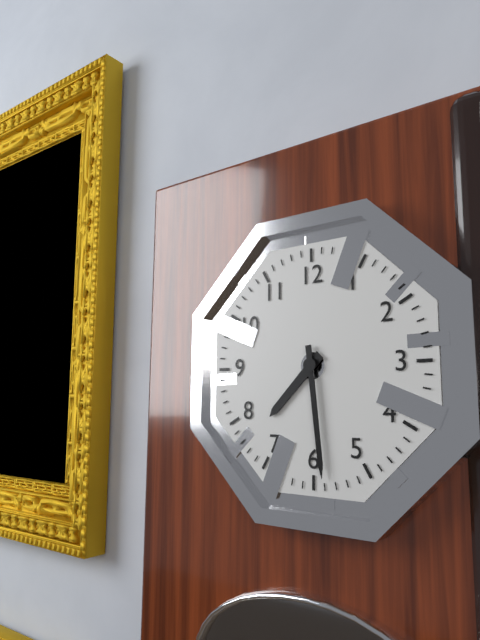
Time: h=7 m=29
